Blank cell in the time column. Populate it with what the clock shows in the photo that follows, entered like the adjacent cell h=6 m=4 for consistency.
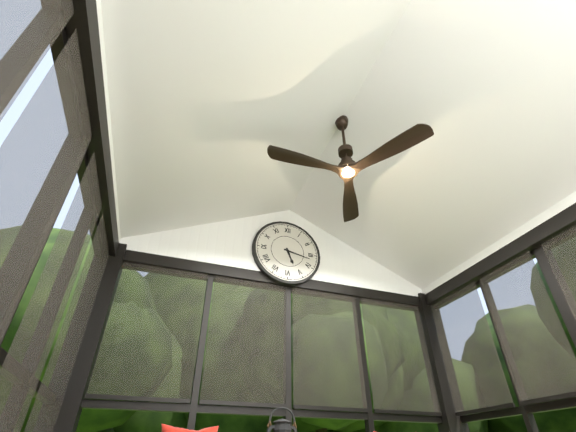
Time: h=5 m=17
